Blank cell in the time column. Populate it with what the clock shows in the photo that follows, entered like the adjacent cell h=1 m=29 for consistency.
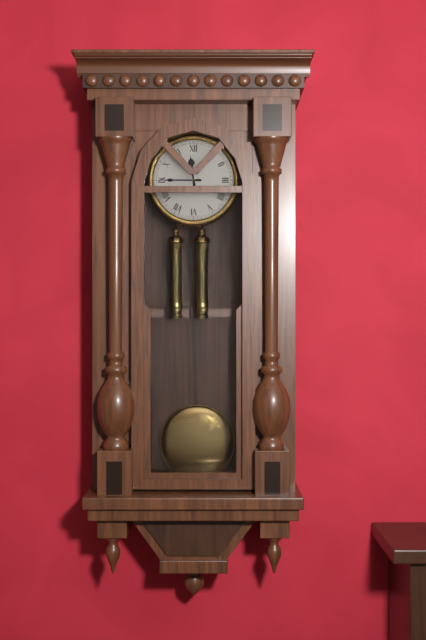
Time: h=11 m=45
